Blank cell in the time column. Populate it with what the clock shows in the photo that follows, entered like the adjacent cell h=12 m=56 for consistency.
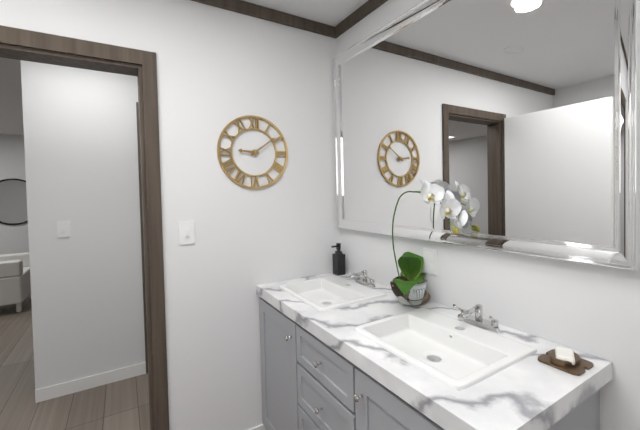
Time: h=9 m=9
